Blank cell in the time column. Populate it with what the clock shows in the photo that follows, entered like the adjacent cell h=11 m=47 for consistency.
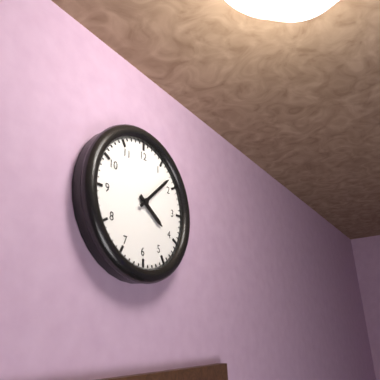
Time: h=4 m=8
